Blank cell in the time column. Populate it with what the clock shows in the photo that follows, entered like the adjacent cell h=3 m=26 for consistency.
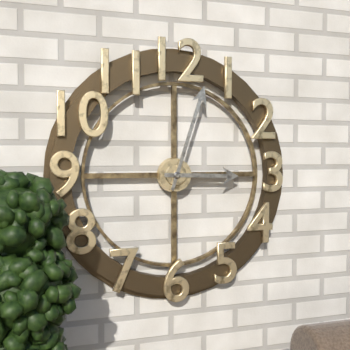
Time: h=3 m=3
